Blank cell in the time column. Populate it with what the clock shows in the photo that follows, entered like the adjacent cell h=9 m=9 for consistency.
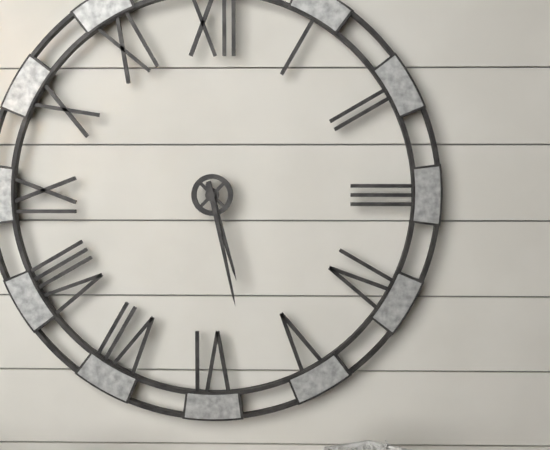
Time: h=5 m=28
